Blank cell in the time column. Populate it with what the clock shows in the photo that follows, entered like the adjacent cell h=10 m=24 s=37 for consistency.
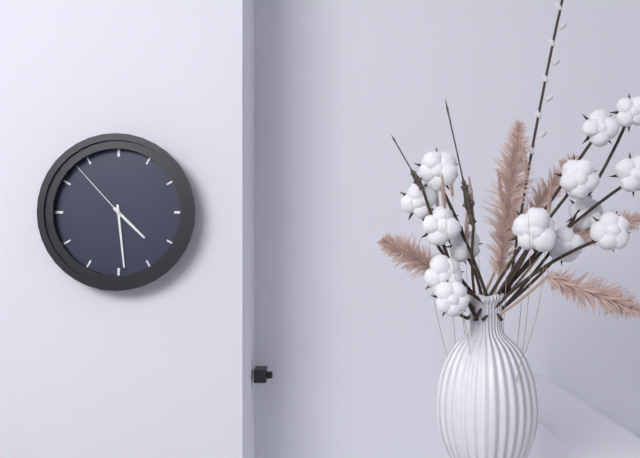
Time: h=4 m=29 s=53
